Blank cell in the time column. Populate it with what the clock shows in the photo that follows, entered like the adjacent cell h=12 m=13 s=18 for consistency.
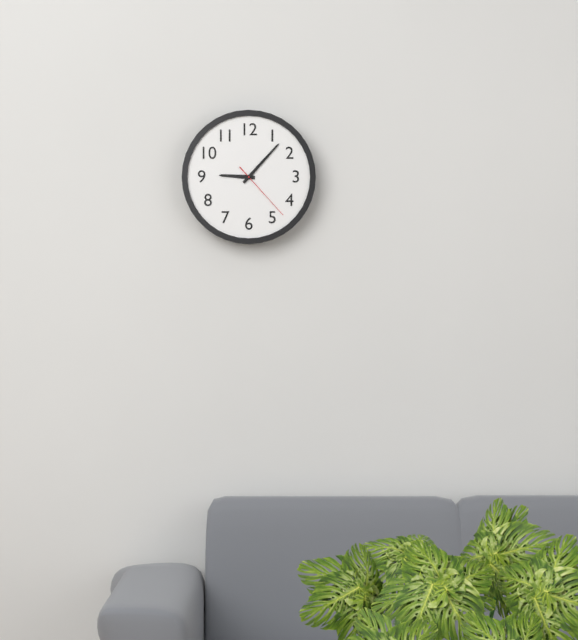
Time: h=9 m=7 s=23
